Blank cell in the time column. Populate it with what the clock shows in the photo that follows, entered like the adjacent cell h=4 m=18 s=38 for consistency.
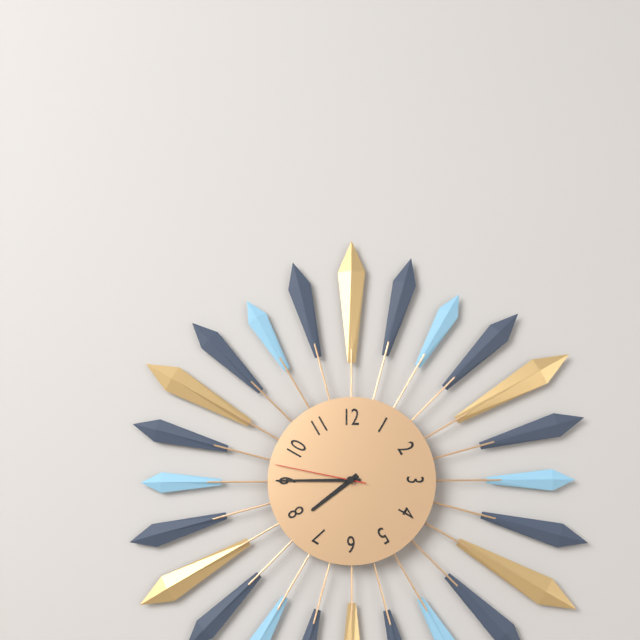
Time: h=7 m=45 s=47
